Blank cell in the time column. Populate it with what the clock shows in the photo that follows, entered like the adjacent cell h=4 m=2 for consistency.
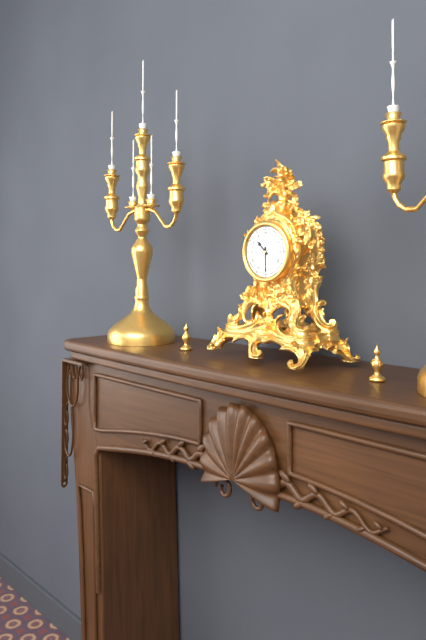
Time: h=10 m=30
